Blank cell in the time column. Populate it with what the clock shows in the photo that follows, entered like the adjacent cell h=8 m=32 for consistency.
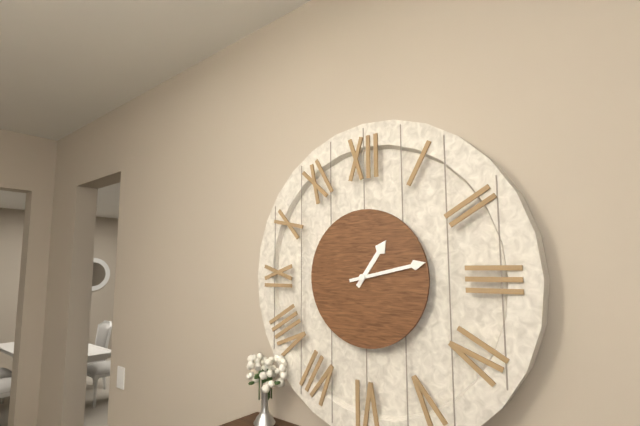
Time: h=1 m=13
